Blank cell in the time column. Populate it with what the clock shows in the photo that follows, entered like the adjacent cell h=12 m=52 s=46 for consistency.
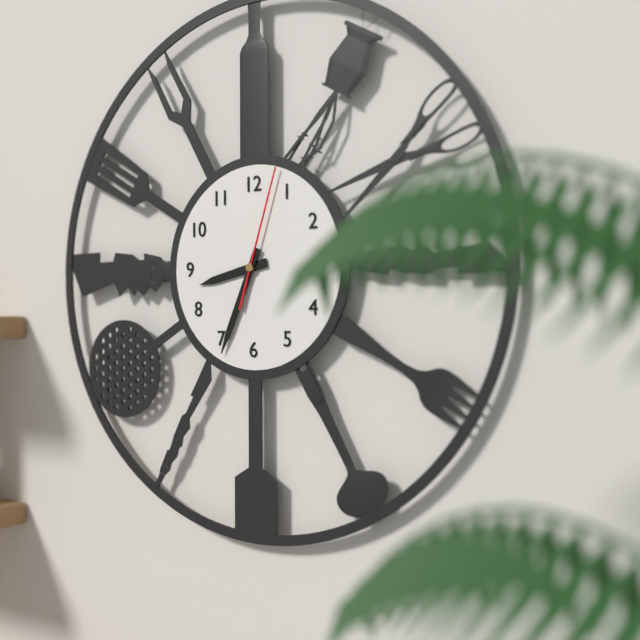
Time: h=8 m=34 s=3
